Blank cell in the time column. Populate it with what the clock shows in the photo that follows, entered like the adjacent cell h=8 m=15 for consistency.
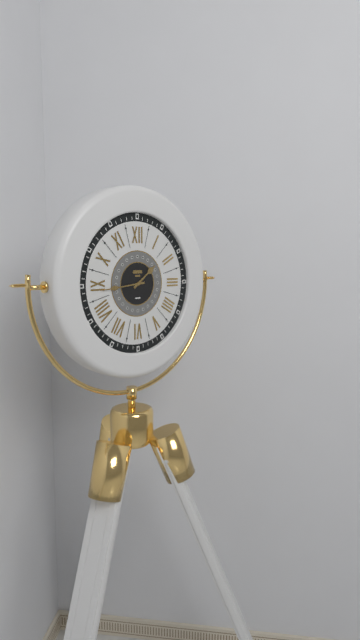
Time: h=1 m=44
